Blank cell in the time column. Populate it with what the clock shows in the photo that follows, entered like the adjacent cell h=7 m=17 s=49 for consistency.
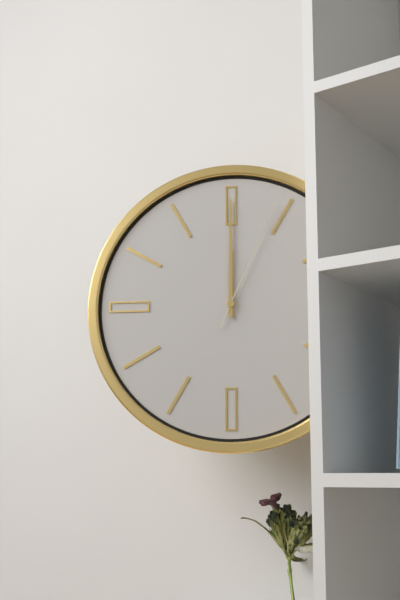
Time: h=12 m=0 s=4
